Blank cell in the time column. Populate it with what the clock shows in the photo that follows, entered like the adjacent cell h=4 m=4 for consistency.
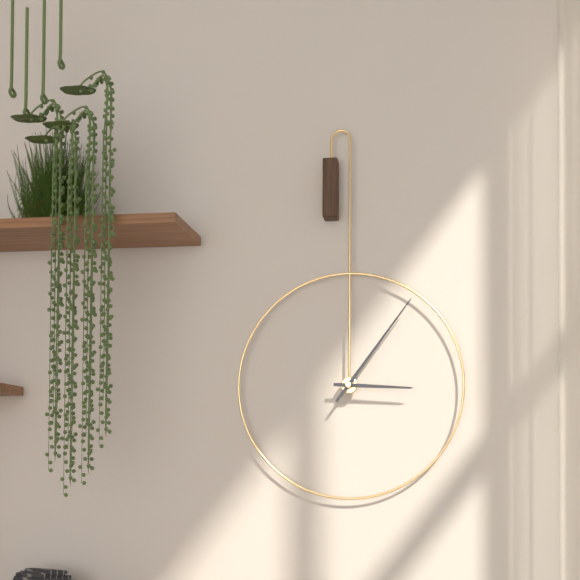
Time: h=3 m=6
